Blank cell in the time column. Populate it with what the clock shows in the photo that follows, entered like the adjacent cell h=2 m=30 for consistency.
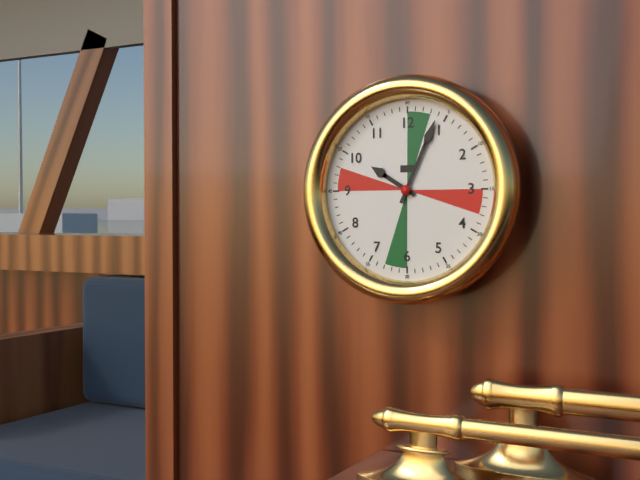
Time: h=10 m=4
